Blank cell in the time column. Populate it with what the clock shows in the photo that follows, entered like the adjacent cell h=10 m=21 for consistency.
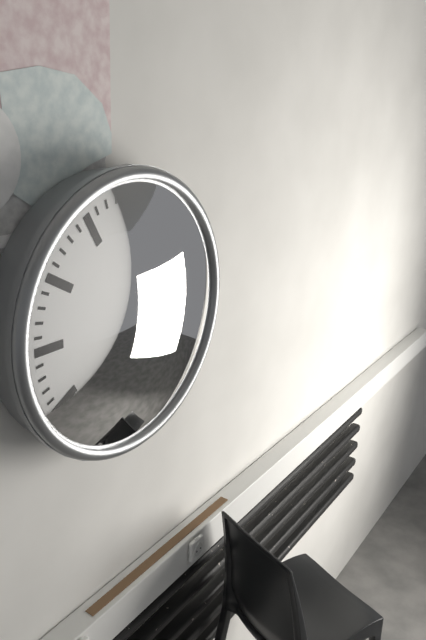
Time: h=12 m=34
